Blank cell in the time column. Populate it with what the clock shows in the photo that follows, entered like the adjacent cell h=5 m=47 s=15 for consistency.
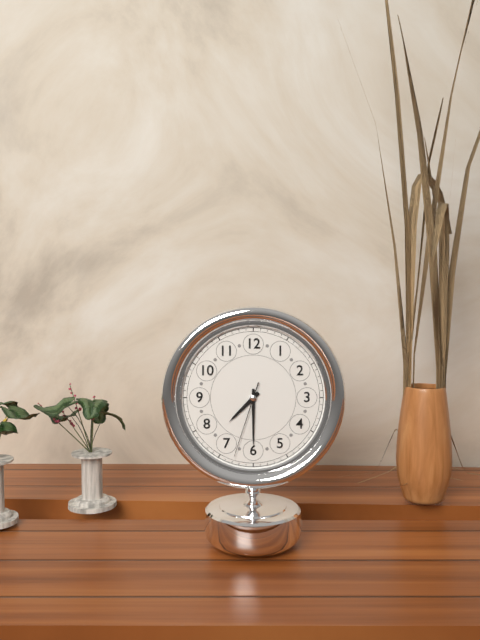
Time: h=7 m=30 s=33
